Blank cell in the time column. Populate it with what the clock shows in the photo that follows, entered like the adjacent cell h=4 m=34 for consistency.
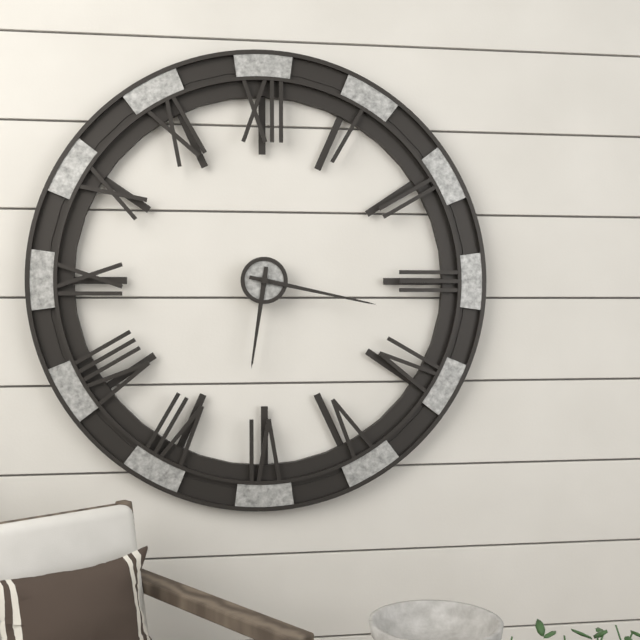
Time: h=6 m=17
